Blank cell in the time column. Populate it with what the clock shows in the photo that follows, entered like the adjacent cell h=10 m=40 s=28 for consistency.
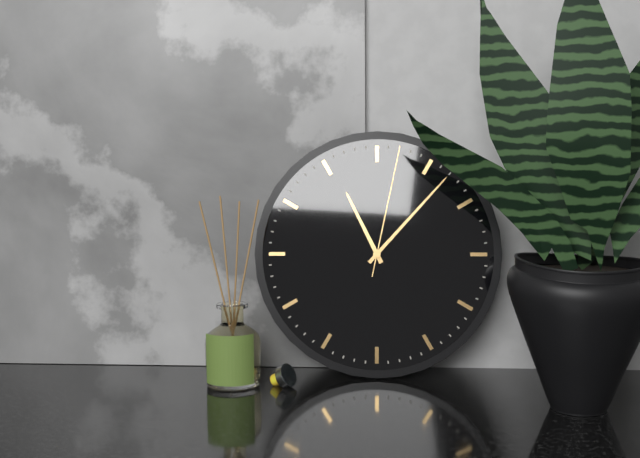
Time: h=11 m=7 s=2
